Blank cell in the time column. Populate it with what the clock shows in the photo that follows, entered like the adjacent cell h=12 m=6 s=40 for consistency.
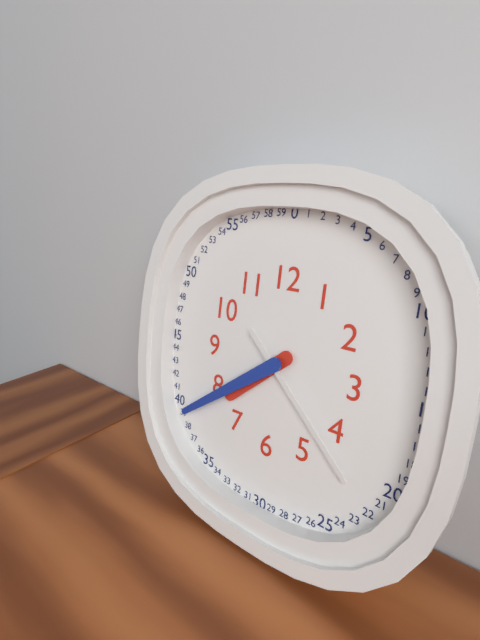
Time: h=7 m=39 s=22
